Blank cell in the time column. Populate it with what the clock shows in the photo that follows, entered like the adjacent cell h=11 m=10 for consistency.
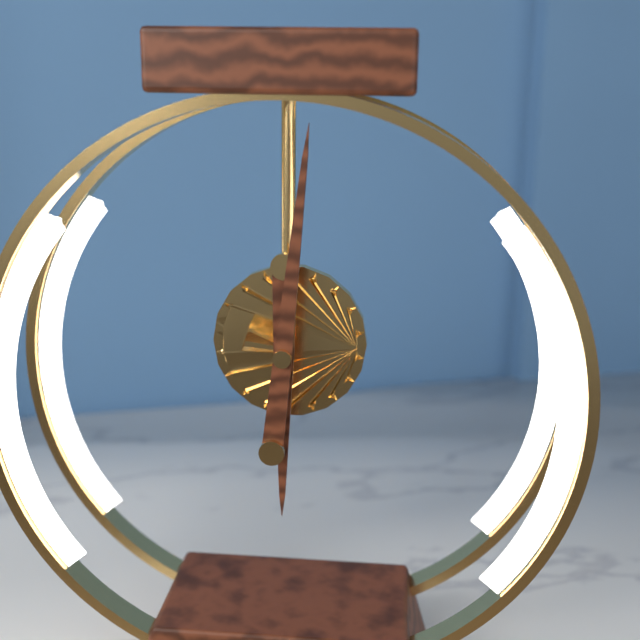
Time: h=6 m=1
